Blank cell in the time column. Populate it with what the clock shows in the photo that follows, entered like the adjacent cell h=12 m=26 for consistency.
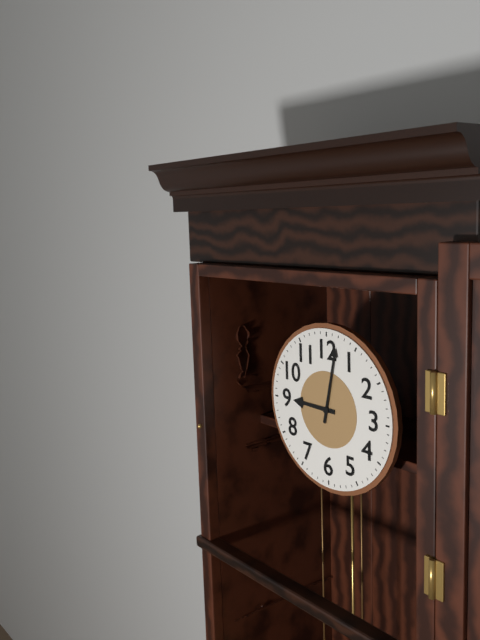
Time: h=9 m=2
